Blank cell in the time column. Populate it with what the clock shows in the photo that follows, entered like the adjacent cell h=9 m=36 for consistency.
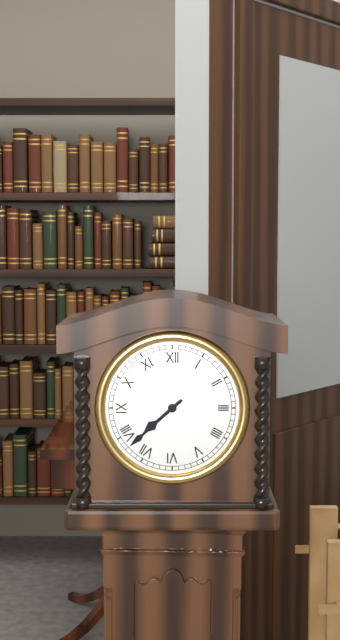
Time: h=7 m=38
